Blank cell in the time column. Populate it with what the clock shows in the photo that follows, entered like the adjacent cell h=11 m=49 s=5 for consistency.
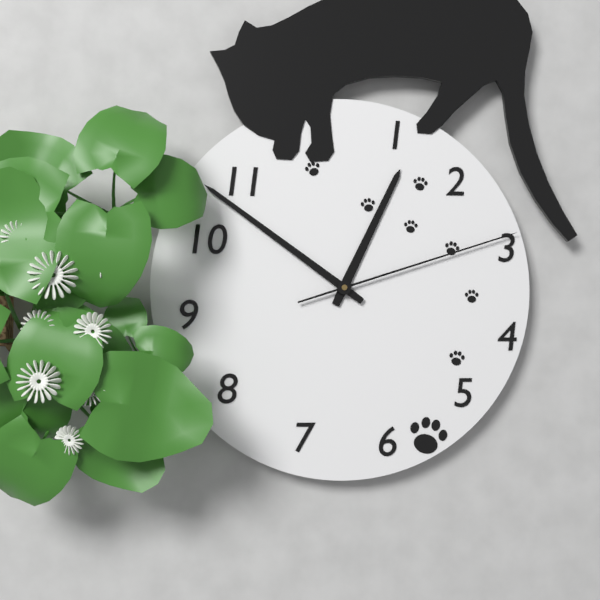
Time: h=12 m=51 s=12
